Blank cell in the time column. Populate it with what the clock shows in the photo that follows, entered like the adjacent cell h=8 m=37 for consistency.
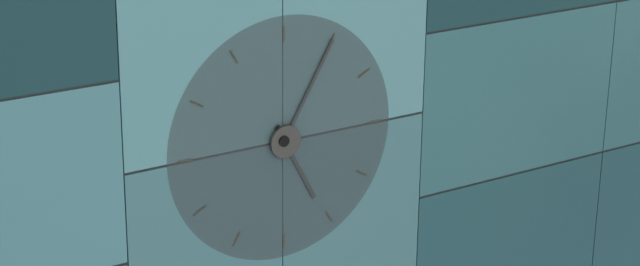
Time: h=5 m=5
